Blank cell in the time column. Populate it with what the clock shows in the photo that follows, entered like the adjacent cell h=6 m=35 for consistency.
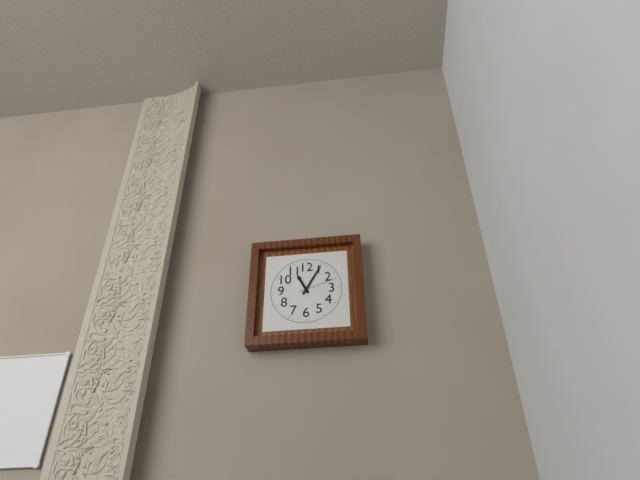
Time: h=11 m=5
